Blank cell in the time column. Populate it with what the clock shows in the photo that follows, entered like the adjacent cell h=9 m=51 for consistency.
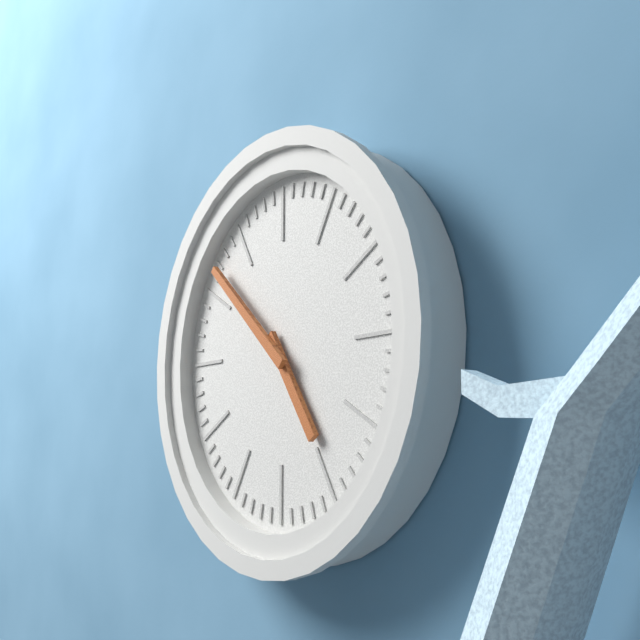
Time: h=4 m=52
